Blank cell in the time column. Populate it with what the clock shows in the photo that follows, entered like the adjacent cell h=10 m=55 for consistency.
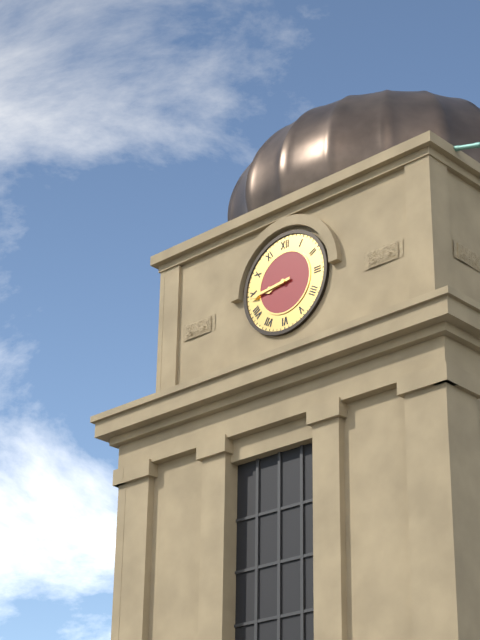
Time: h=8 m=44
